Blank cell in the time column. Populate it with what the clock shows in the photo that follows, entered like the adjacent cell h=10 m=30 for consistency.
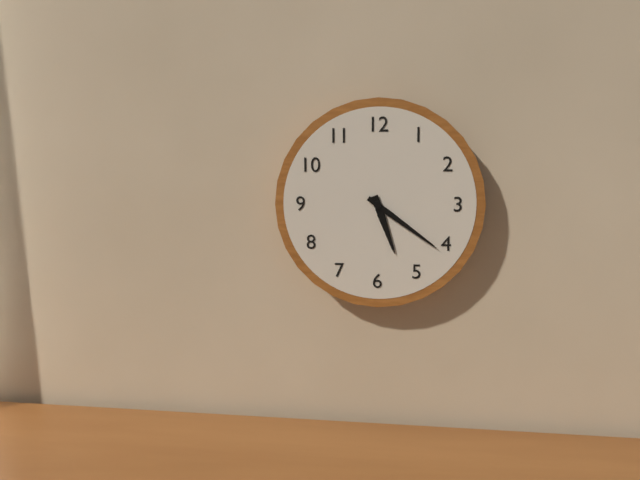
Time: h=5 m=21
